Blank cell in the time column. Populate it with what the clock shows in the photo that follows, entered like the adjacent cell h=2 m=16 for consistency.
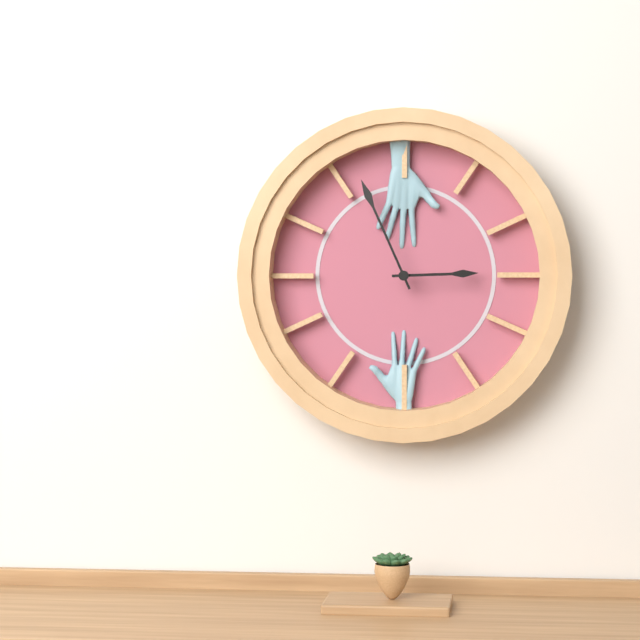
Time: h=2 m=56
